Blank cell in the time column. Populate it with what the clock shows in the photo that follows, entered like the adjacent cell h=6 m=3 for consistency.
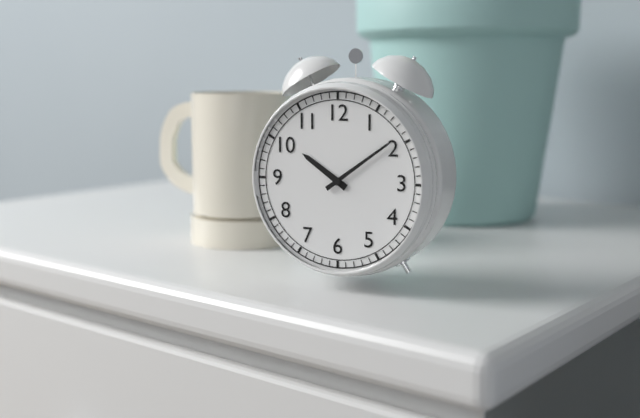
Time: h=10 m=9
